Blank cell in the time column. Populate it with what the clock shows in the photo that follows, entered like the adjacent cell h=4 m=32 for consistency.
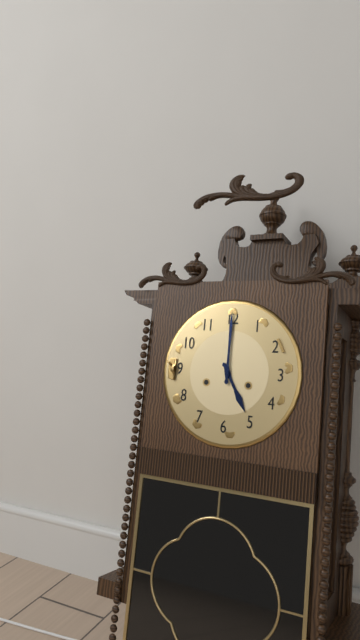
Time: h=5 m=0
